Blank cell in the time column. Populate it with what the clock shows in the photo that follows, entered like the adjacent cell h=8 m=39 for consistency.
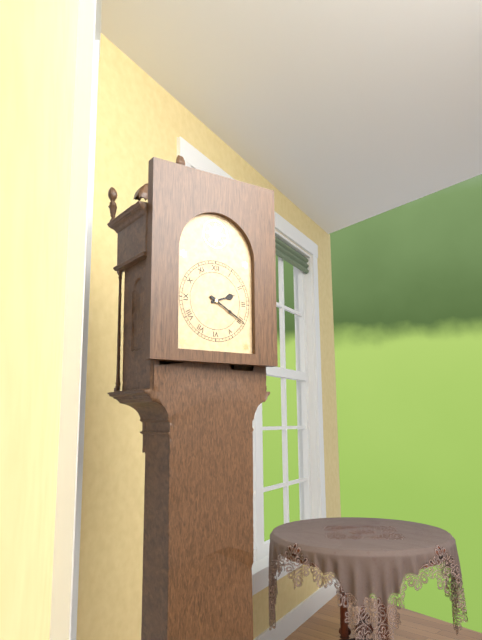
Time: h=2 m=20
